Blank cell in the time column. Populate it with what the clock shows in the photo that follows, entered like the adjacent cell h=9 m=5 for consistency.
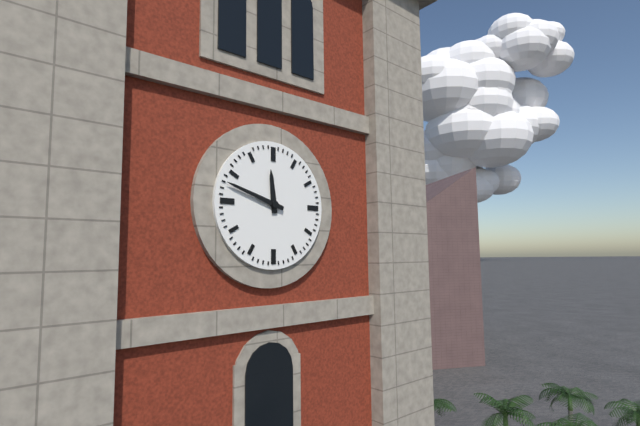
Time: h=11 m=48
